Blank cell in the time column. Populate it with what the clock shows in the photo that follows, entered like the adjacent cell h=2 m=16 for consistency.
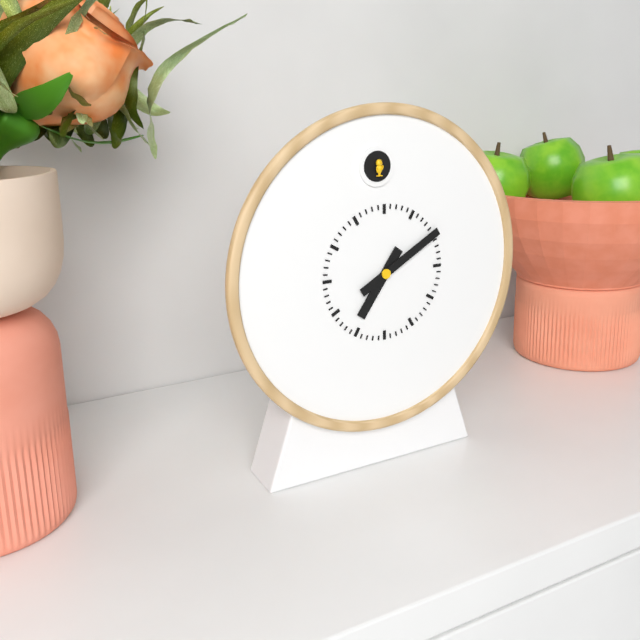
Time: h=7 m=10
